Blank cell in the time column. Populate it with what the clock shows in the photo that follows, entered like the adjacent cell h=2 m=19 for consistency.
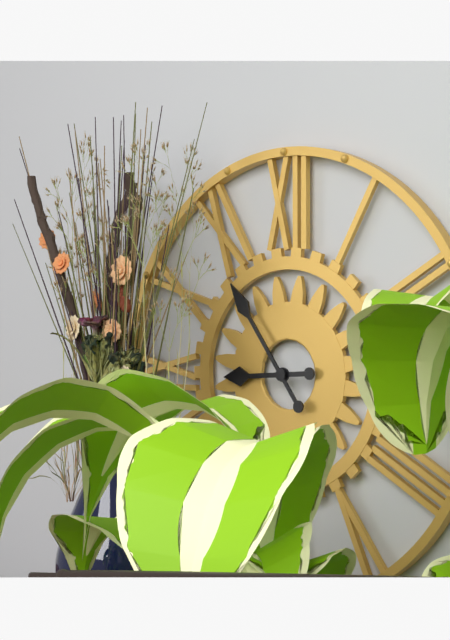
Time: h=8 m=54
